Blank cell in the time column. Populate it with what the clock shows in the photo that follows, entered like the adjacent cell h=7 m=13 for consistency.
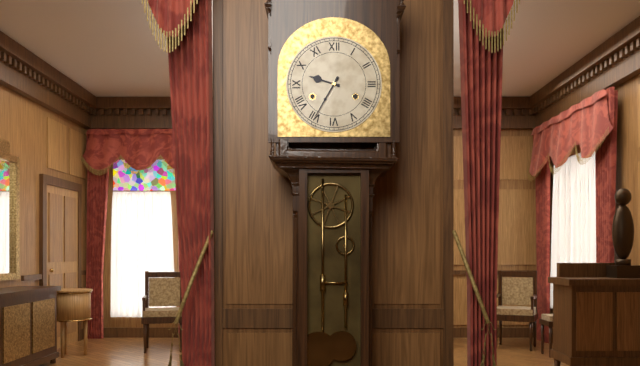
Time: h=9 m=35
